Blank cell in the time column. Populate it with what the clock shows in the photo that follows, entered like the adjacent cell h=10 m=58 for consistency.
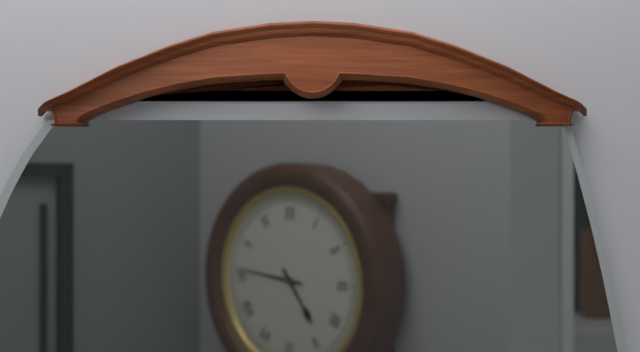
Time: h=4 m=46
